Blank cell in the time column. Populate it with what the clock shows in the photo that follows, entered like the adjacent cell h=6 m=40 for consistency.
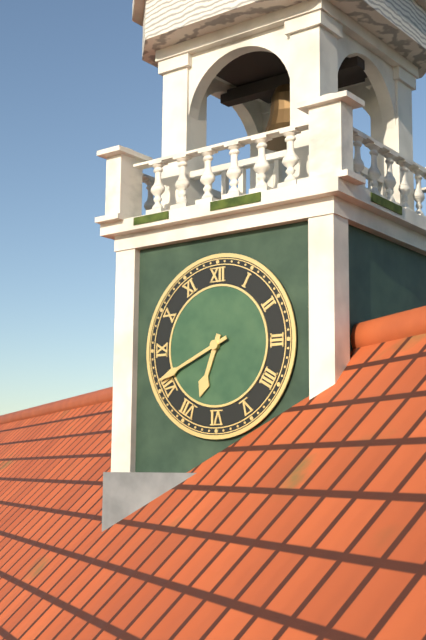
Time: h=6 m=41
